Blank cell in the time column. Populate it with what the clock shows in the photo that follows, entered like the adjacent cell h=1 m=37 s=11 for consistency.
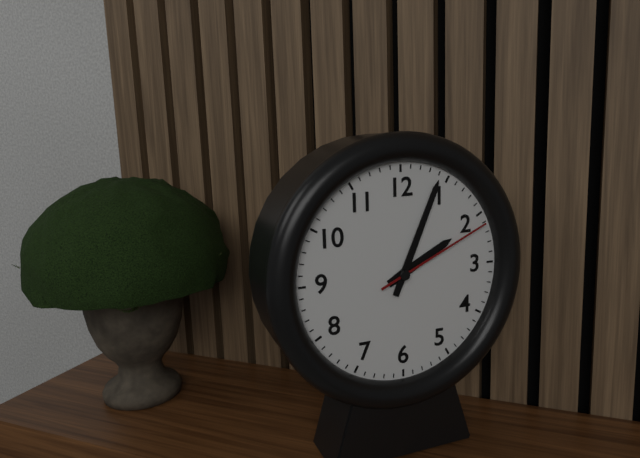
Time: h=2 m=4 s=11
